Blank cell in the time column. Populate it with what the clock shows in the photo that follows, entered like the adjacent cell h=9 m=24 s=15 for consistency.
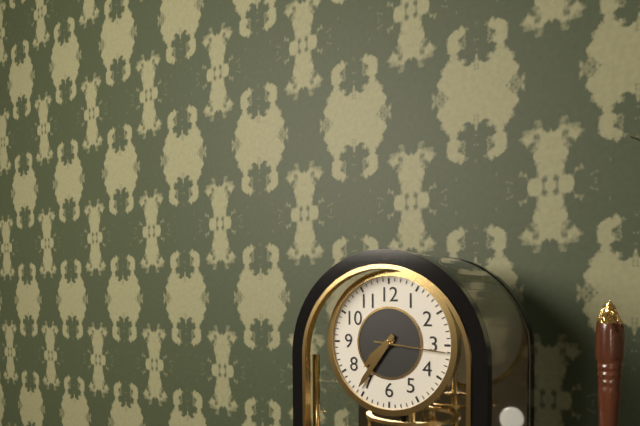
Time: h=7 m=36 s=16
